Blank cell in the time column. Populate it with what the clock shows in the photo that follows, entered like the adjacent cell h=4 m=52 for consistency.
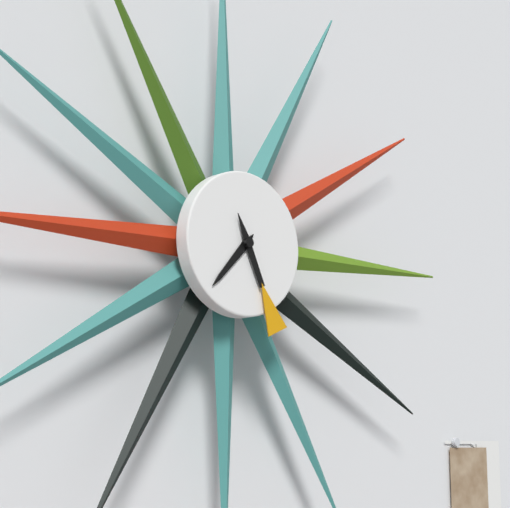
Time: h=7 m=26
